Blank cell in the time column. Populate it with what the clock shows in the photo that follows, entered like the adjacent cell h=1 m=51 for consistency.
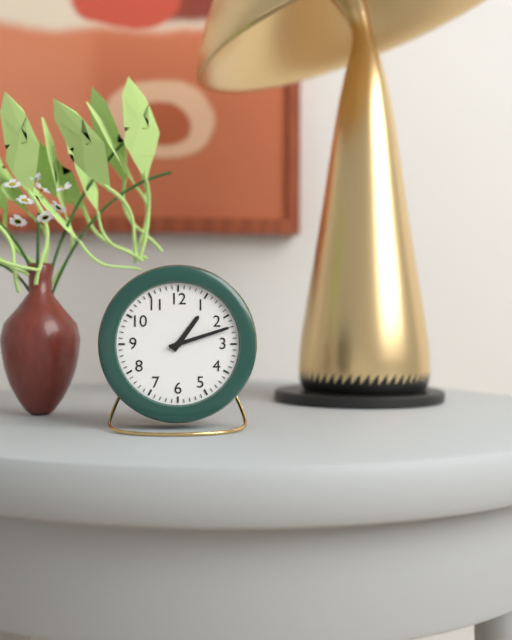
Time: h=1 m=12
